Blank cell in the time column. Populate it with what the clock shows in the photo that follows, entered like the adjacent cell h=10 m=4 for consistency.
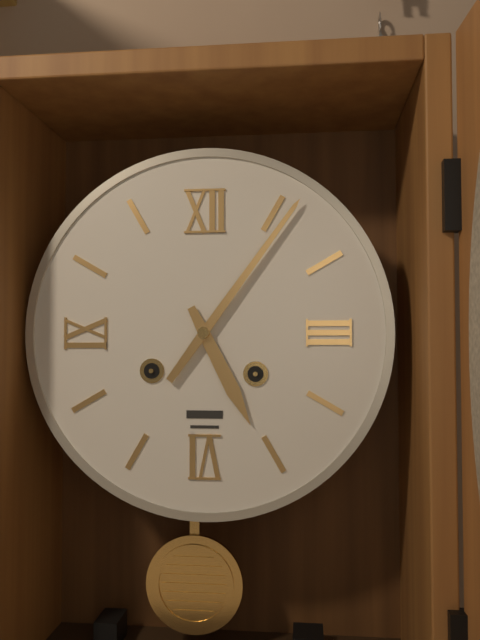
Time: h=5 m=6
